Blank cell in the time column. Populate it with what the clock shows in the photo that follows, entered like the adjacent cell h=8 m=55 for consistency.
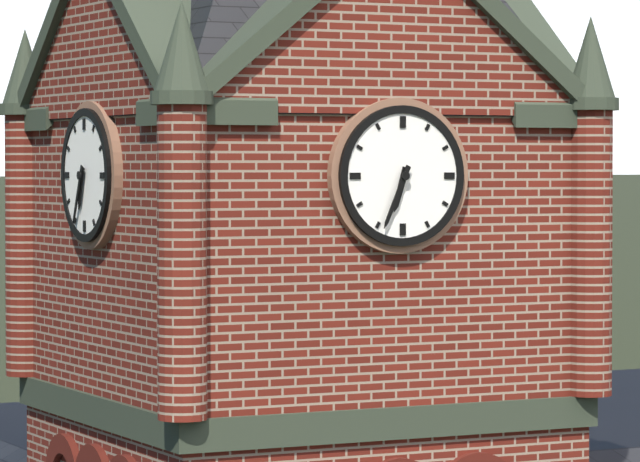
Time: h=6 m=34
